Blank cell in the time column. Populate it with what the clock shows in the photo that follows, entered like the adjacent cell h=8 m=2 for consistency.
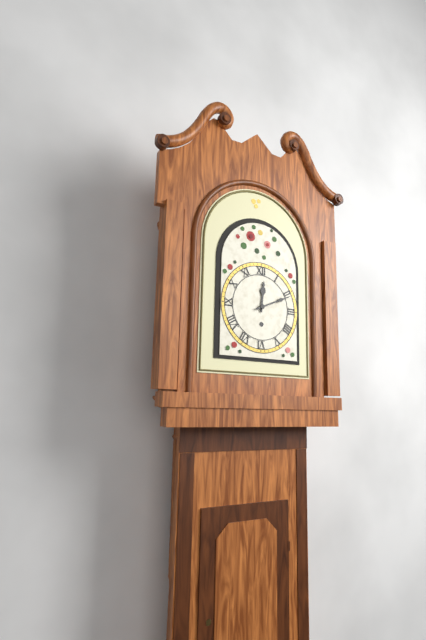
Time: h=12 m=11
